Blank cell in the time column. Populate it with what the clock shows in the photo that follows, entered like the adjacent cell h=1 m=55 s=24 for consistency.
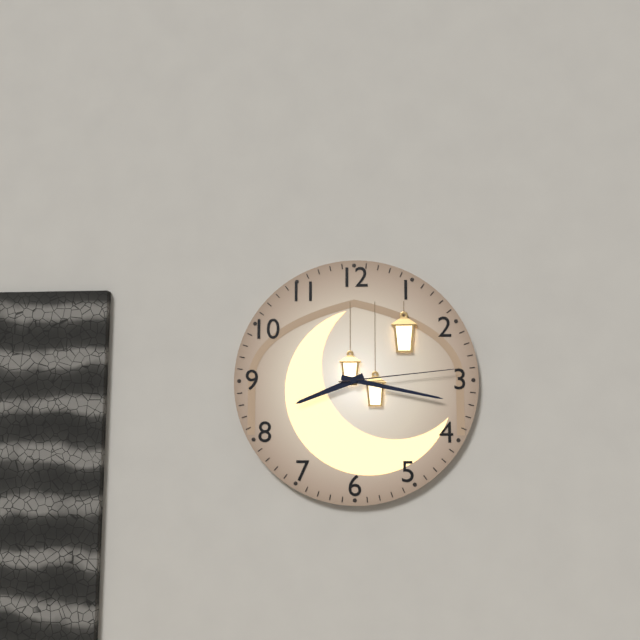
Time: h=8 m=17 s=14
